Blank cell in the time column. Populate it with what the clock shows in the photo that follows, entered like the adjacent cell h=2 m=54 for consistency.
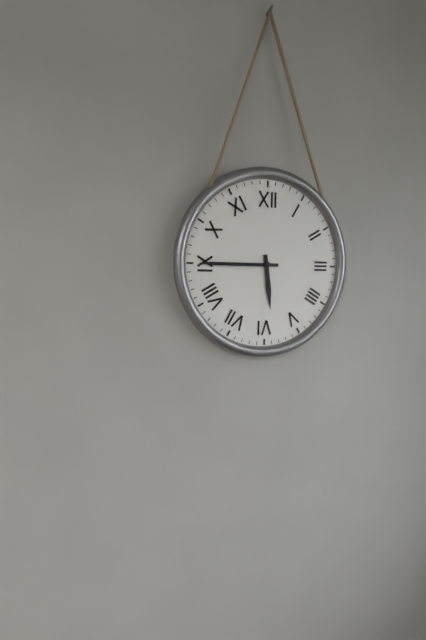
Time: h=5 m=45
